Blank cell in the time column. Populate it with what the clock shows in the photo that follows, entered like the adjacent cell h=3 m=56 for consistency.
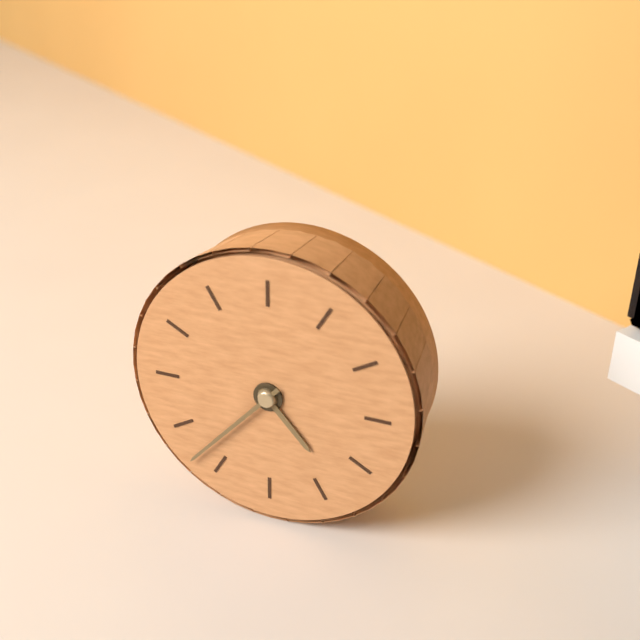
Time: h=4 m=37
